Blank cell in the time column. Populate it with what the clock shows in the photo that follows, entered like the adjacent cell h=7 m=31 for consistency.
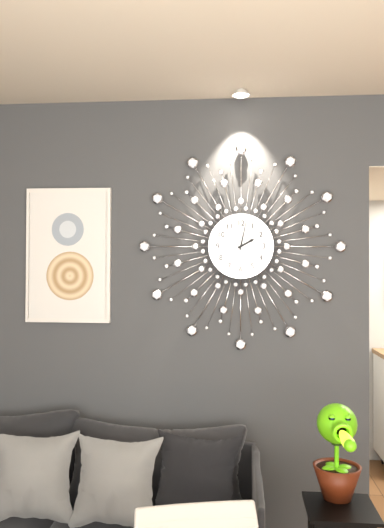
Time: h=2 m=2
